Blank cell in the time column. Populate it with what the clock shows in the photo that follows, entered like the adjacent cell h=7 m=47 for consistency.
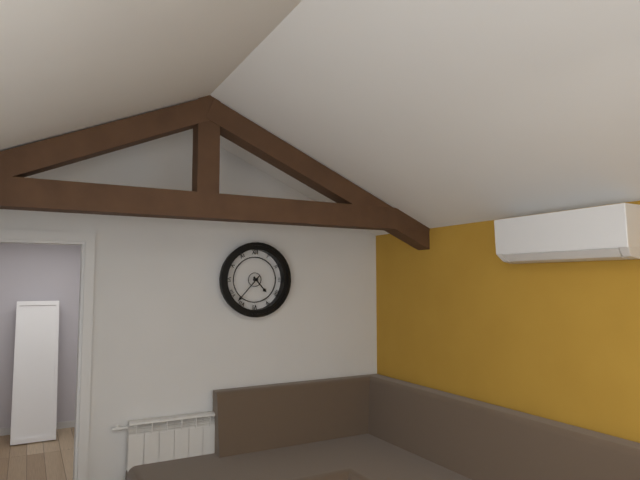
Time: h=4 m=37
